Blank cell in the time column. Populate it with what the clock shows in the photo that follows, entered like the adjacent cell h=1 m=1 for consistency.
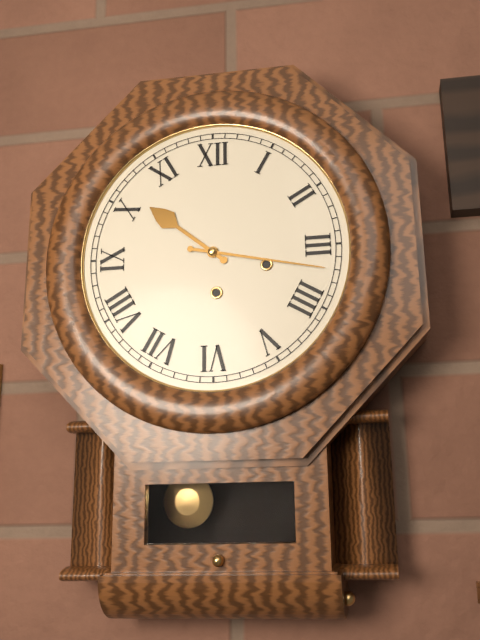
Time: h=10 m=17
